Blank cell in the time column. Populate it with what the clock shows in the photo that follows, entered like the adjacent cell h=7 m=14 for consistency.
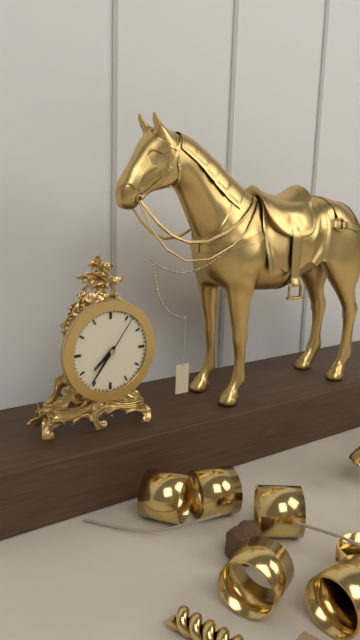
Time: h=7 m=36
